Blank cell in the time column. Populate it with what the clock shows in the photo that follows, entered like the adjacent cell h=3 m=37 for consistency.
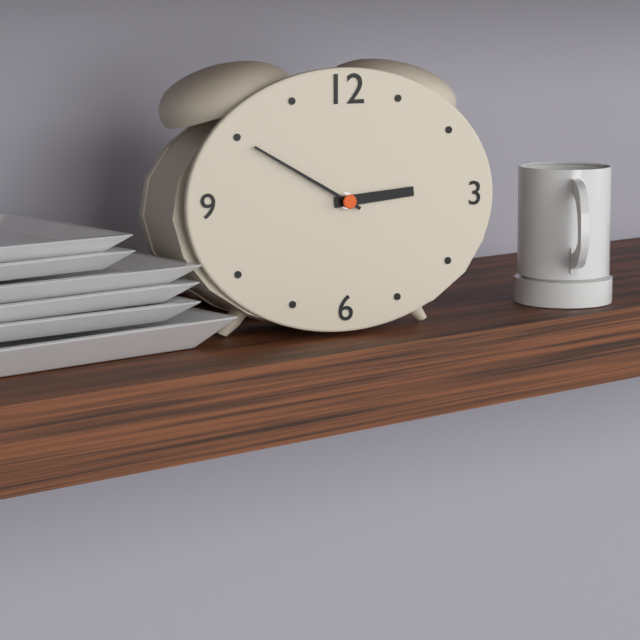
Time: h=2 m=50
